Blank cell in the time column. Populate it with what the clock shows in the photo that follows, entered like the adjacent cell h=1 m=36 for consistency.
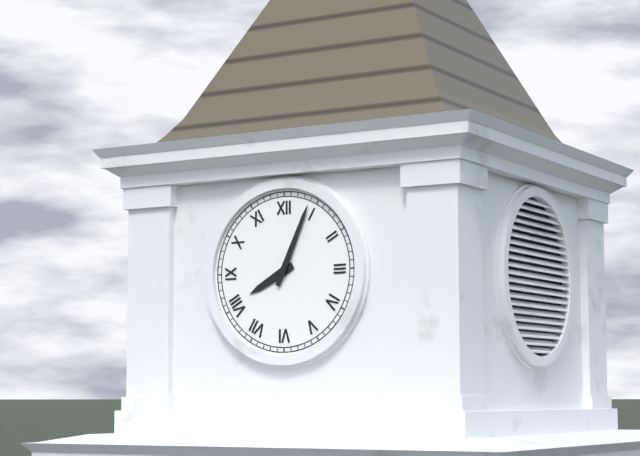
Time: h=8 m=4
